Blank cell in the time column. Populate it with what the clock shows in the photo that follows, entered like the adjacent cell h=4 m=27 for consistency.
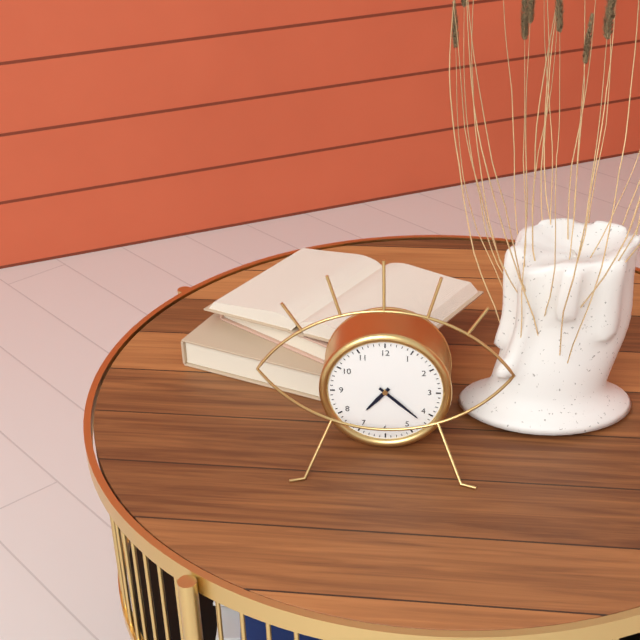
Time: h=7 m=22
